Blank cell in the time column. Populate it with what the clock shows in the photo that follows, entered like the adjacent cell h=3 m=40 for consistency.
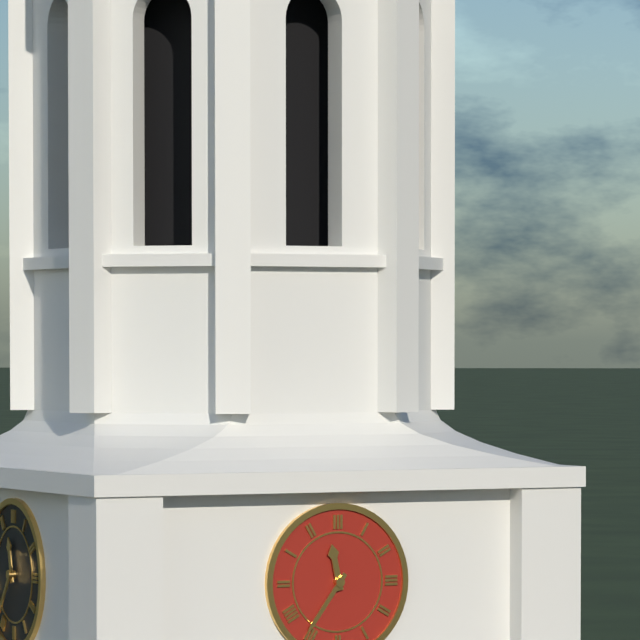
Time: h=11 m=36
